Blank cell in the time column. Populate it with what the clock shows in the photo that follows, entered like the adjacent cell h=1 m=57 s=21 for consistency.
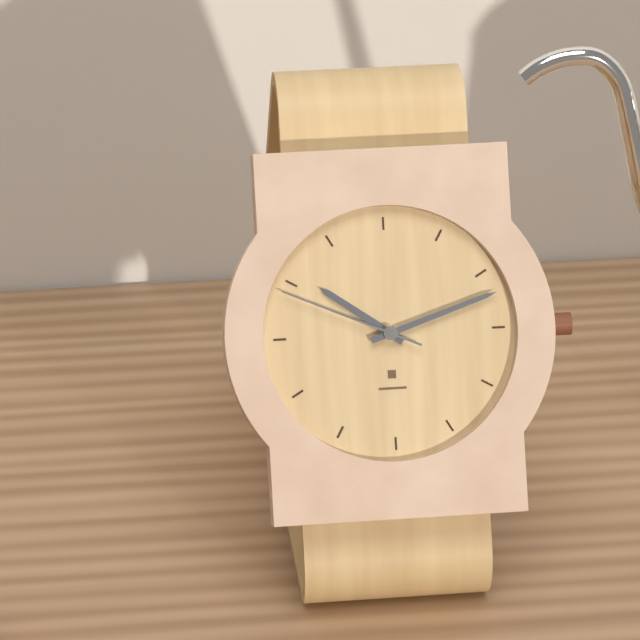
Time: h=10 m=12 s=49
